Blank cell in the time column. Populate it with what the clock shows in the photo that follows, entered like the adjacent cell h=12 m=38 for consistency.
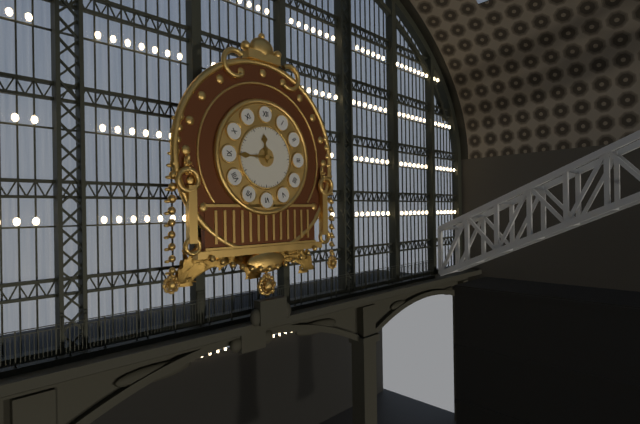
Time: h=11 m=45
